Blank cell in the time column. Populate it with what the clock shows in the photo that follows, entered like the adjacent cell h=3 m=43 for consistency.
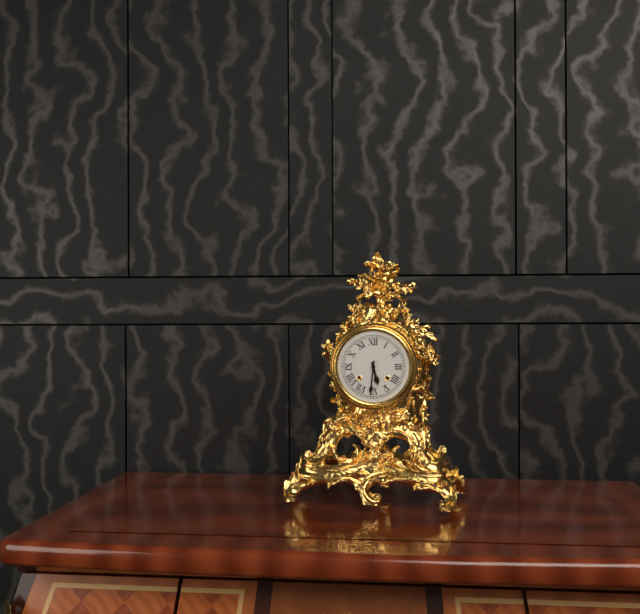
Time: h=5 m=31
